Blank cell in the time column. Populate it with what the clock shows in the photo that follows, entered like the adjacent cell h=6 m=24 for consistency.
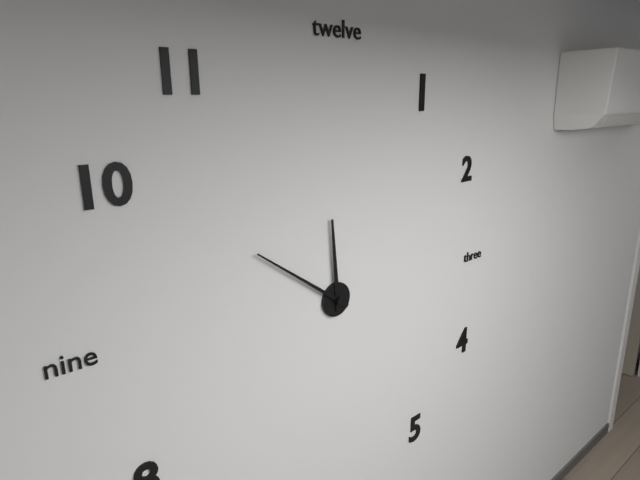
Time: h=11 m=51
